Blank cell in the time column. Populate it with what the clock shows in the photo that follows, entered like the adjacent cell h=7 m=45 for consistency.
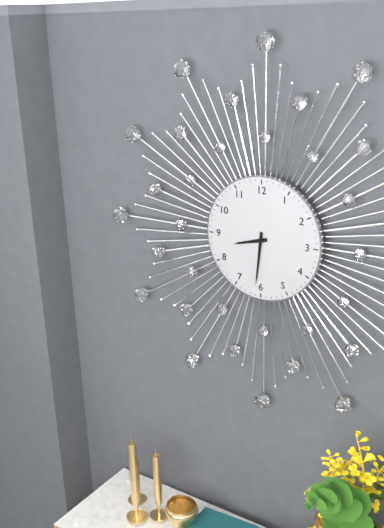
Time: h=8 m=31
